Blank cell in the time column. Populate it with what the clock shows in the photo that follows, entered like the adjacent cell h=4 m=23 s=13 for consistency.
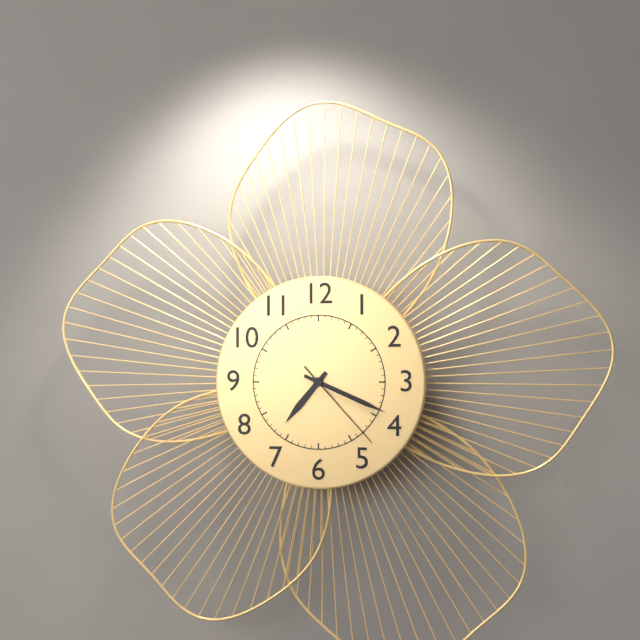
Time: h=7 m=19 s=23
